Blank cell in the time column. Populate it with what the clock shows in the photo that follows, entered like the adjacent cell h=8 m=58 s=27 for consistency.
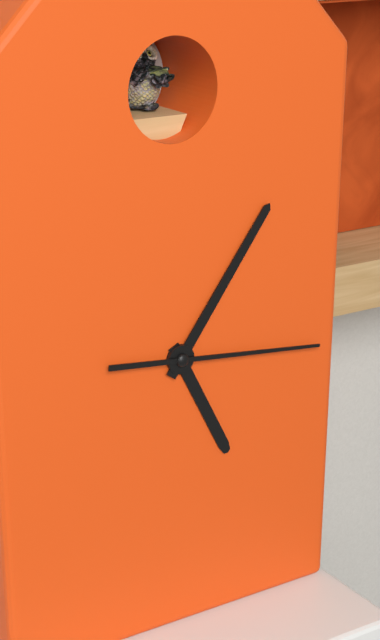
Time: h=5 m=6 s=16
